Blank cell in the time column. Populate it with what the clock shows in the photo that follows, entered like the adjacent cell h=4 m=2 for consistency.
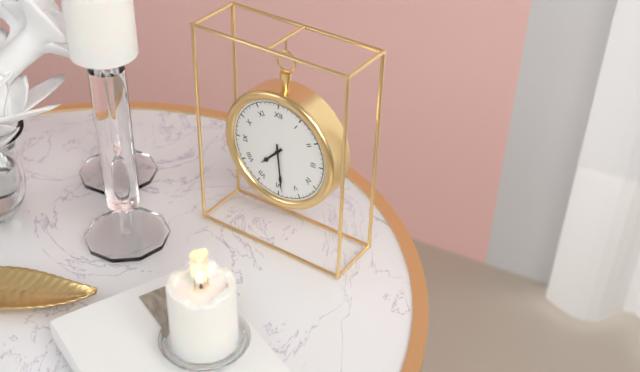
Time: h=7 m=29
